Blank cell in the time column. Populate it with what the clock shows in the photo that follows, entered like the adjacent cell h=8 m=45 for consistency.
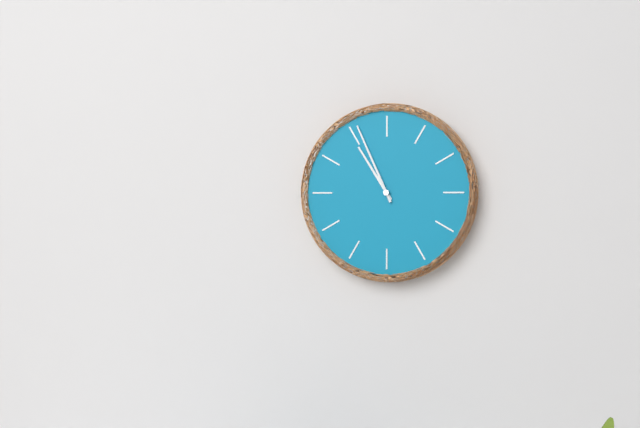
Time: h=10 m=56
